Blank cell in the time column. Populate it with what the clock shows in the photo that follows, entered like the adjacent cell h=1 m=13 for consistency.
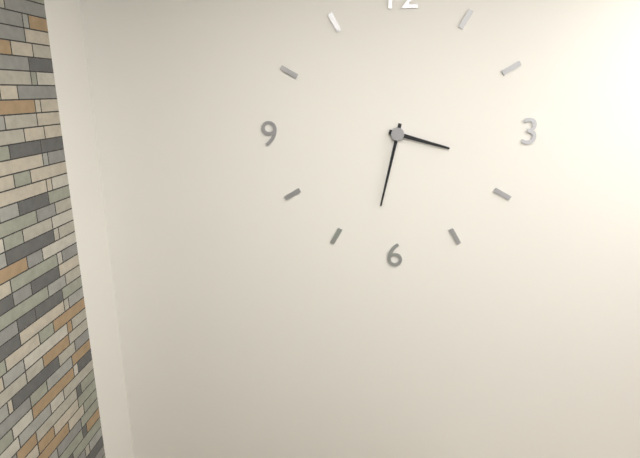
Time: h=3 m=32
